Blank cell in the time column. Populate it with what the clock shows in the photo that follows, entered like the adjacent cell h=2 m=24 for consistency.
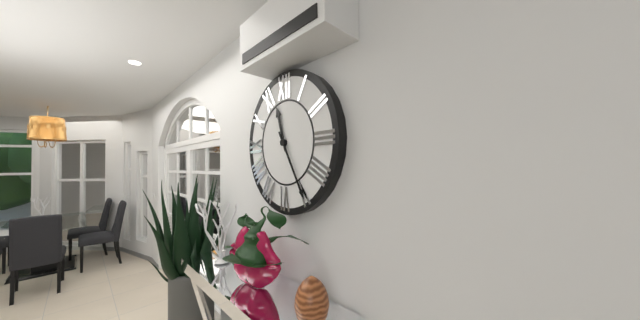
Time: h=11 m=25
